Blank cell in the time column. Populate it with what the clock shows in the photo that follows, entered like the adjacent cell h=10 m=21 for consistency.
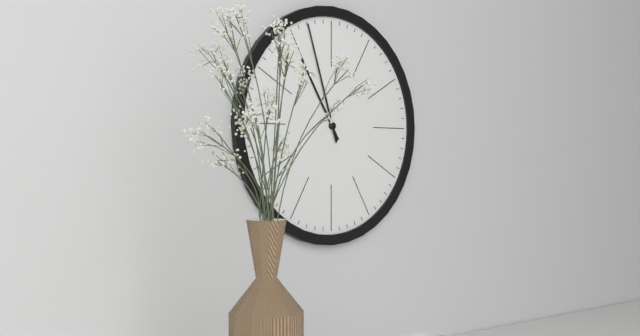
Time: h=10 m=57
